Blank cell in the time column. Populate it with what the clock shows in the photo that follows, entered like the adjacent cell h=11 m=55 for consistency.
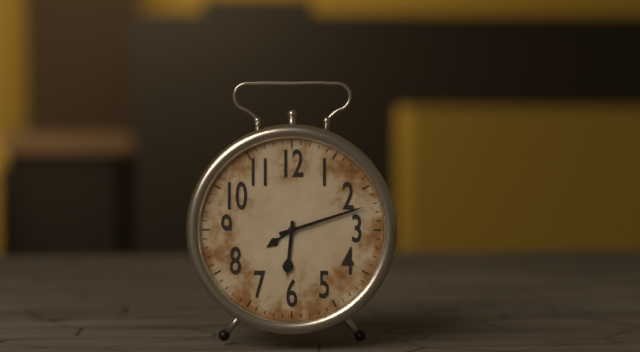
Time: h=6 m=12
